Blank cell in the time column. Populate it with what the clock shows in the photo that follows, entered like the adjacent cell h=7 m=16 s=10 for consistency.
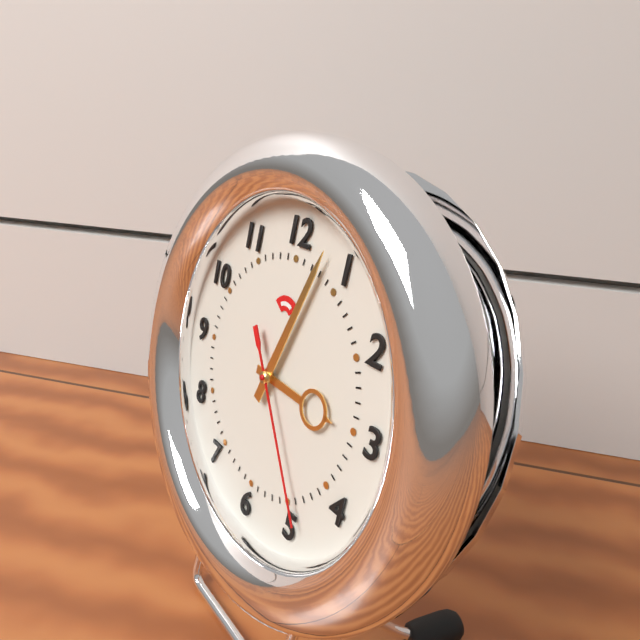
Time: h=3 m=3 s=24
